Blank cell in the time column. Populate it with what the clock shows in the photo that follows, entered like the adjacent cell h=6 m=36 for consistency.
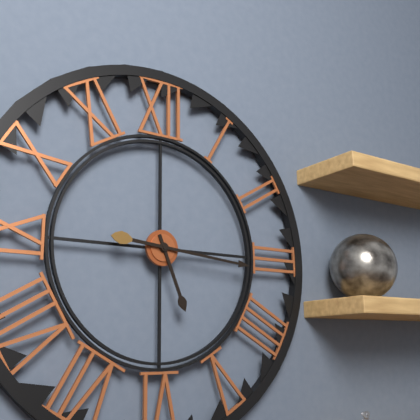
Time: h=5 m=16
